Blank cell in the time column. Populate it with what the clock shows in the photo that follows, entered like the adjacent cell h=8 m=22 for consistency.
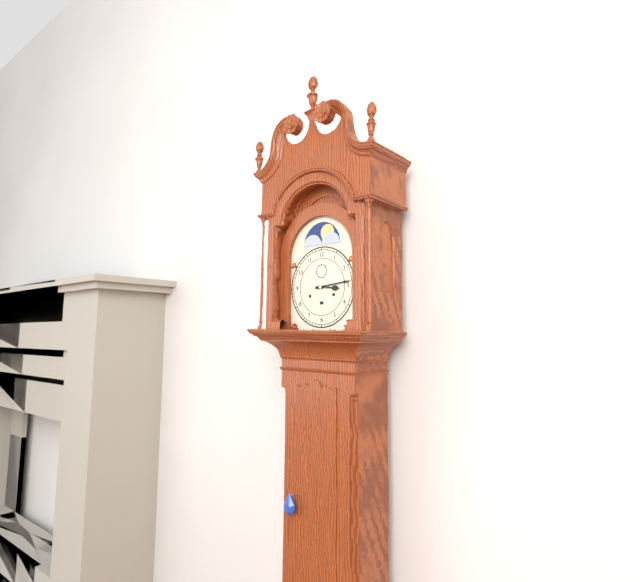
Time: h=3 m=14
